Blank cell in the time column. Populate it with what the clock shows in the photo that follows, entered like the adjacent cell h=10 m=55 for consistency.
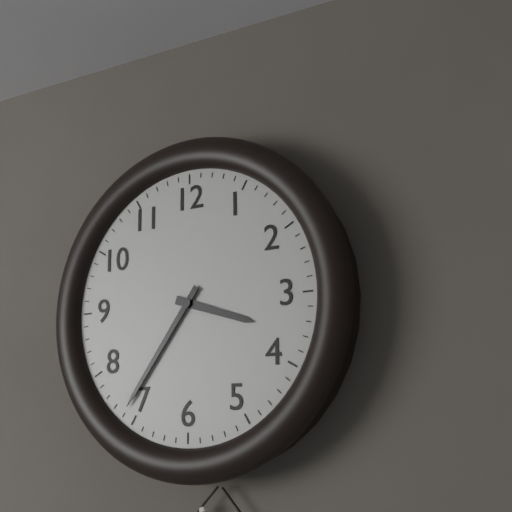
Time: h=3 m=36
